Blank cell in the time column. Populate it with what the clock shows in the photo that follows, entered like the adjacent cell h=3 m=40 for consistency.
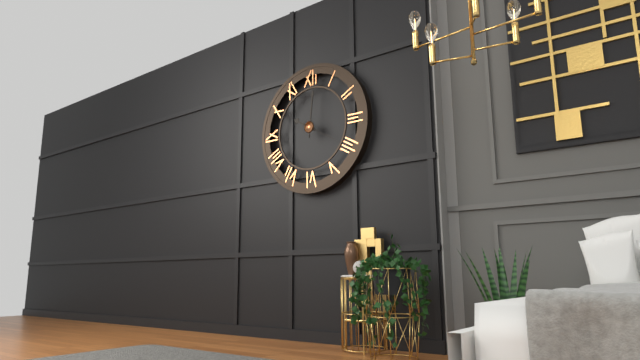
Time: h=10 m=1
